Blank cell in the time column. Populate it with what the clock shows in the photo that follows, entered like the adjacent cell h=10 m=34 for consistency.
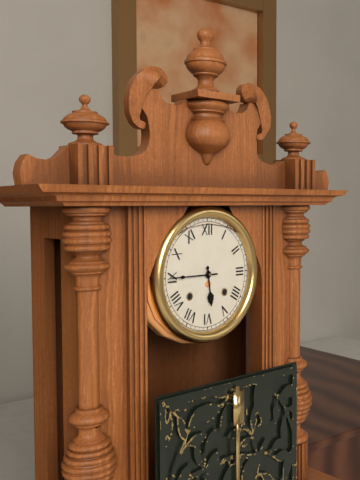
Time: h=5 m=45
